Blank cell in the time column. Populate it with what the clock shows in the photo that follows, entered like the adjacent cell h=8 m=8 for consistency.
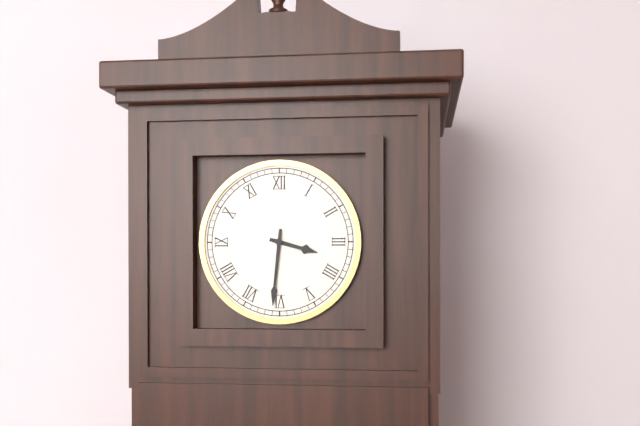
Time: h=3 m=31
